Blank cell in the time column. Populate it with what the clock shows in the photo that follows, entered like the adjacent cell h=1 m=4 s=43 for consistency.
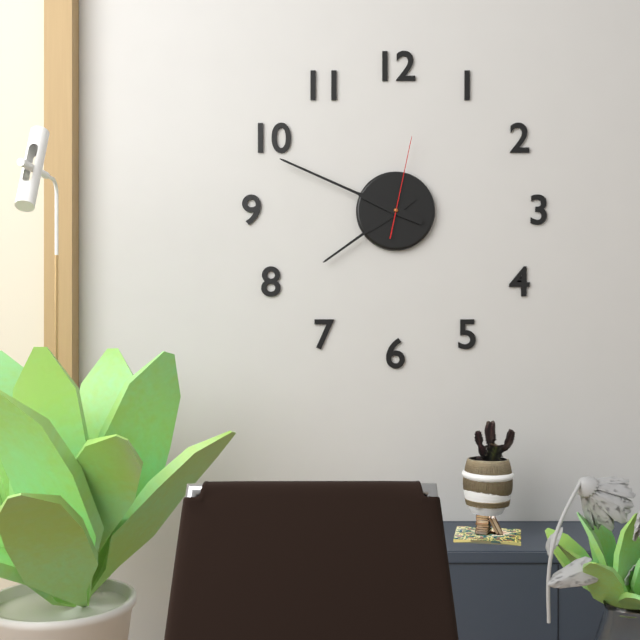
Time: h=7 m=49 s=2
